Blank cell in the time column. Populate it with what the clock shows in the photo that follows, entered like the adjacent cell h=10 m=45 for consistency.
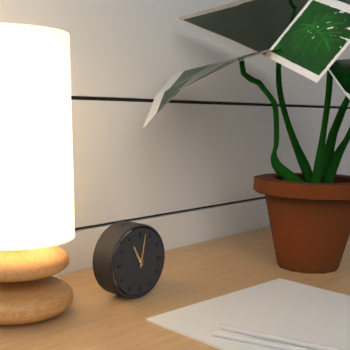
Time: h=11 m=2
